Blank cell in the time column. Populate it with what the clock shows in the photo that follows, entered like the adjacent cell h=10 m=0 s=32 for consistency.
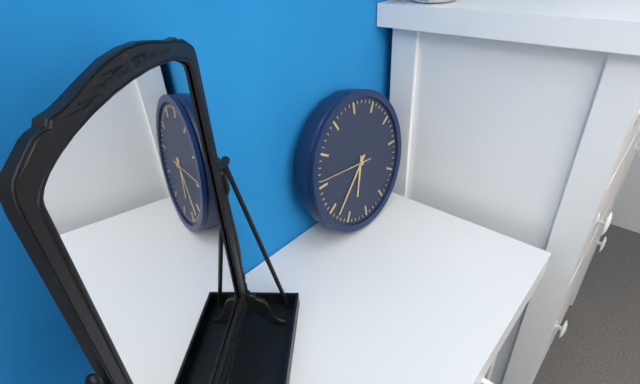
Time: h=6 m=38 s=46
